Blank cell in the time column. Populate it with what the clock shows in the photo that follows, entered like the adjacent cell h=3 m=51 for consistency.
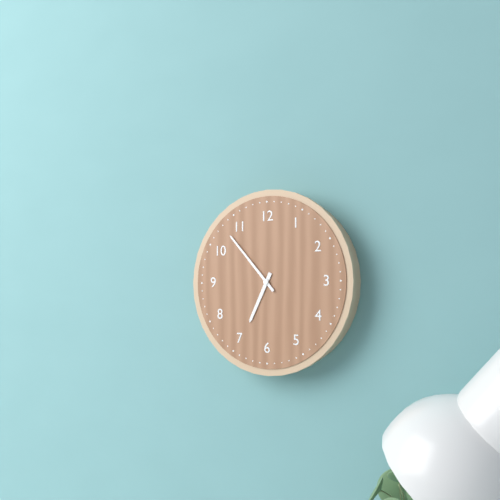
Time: h=6 m=53
